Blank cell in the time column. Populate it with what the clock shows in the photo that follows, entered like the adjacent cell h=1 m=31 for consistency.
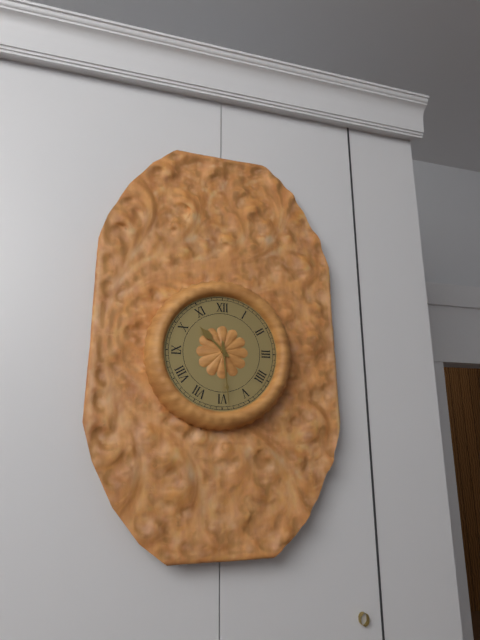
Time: h=10 m=29
